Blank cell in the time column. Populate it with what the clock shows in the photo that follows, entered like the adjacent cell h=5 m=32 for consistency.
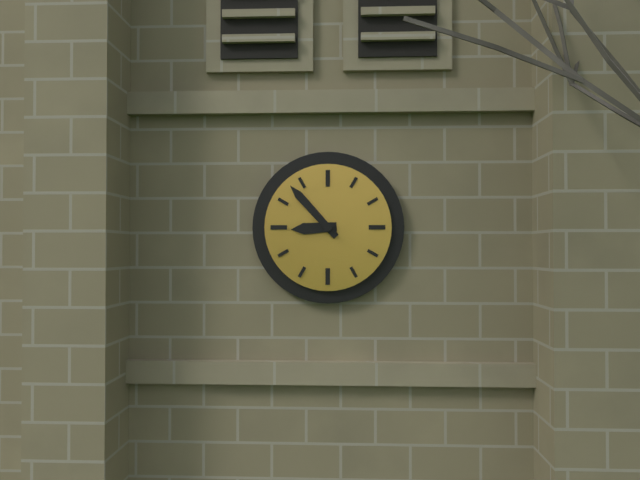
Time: h=8 m=53
